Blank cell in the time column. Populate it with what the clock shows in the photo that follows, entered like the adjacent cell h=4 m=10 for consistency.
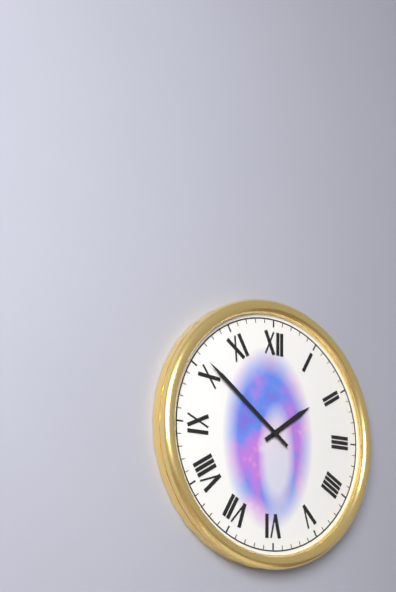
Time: h=1 m=51
